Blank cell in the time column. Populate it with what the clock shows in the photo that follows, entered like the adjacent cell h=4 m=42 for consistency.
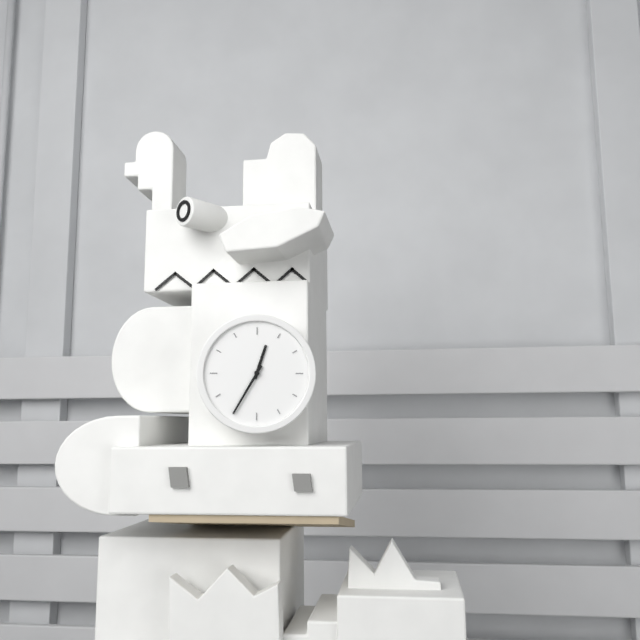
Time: h=12 m=35
